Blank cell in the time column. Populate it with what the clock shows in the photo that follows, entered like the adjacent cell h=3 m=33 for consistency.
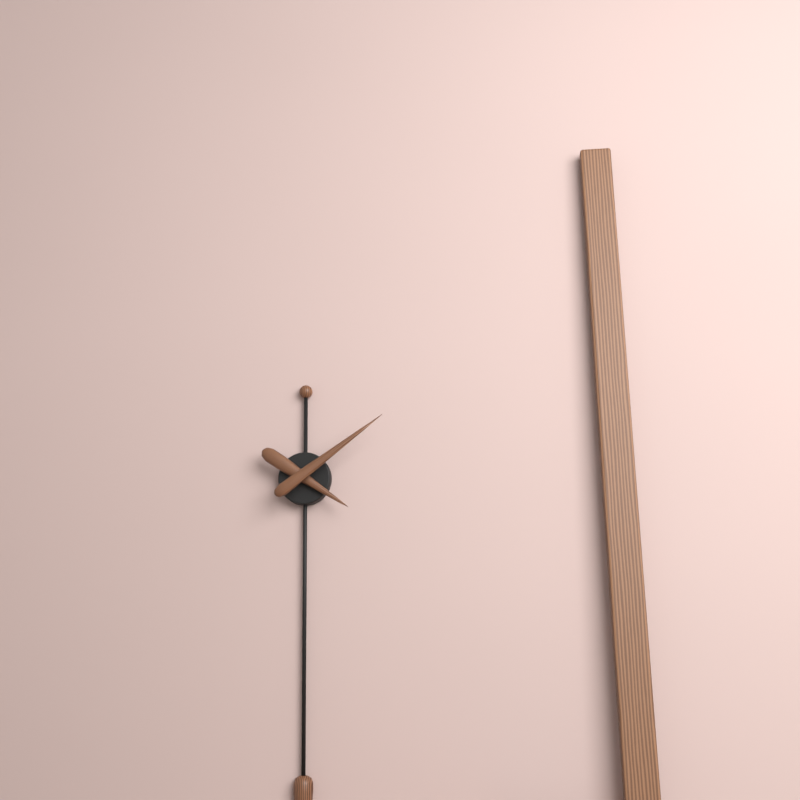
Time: h=4 m=9
